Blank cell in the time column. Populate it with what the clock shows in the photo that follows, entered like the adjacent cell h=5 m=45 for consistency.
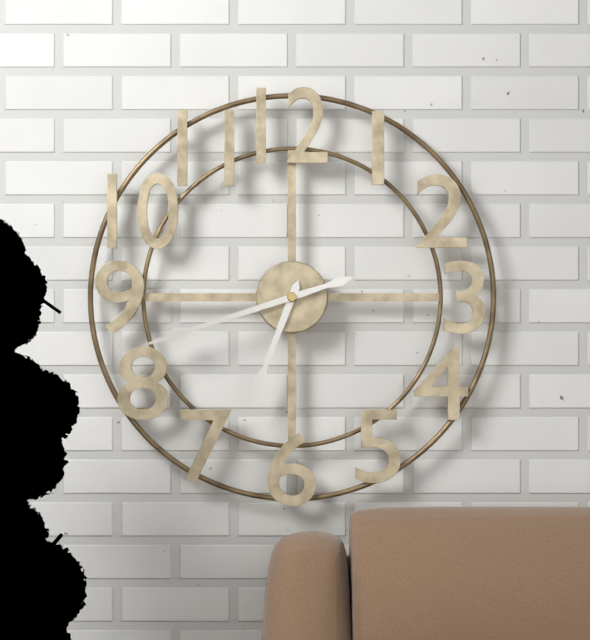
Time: h=6 m=42
